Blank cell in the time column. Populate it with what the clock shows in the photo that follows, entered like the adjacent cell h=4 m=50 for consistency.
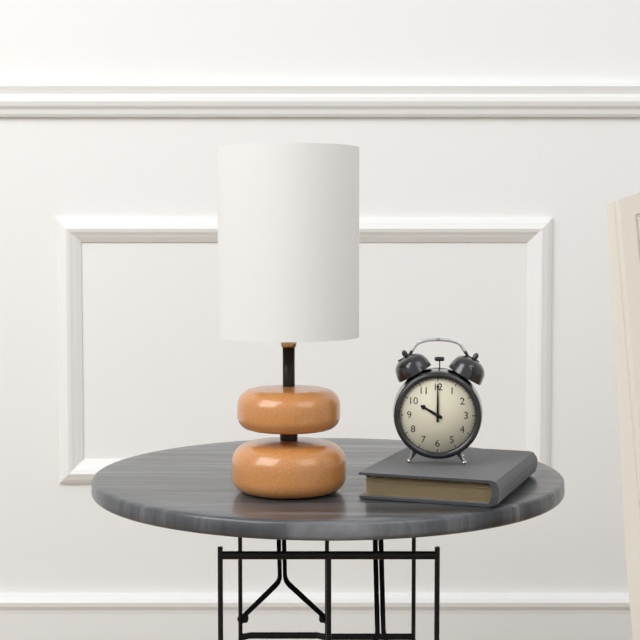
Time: h=10 m=0
